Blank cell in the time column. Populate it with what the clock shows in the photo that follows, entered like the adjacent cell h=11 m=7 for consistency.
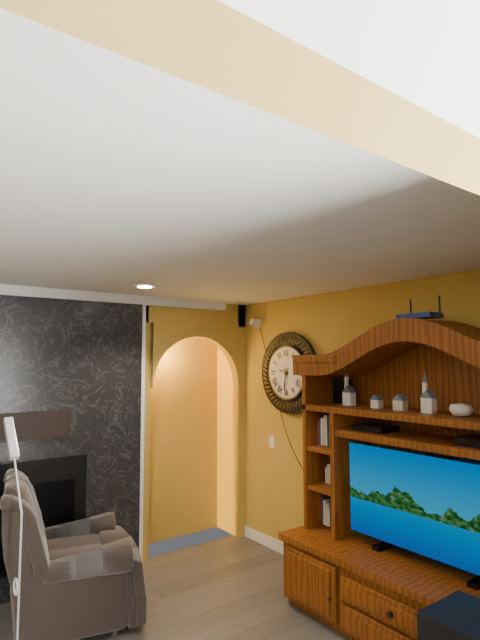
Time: h=9 m=31
